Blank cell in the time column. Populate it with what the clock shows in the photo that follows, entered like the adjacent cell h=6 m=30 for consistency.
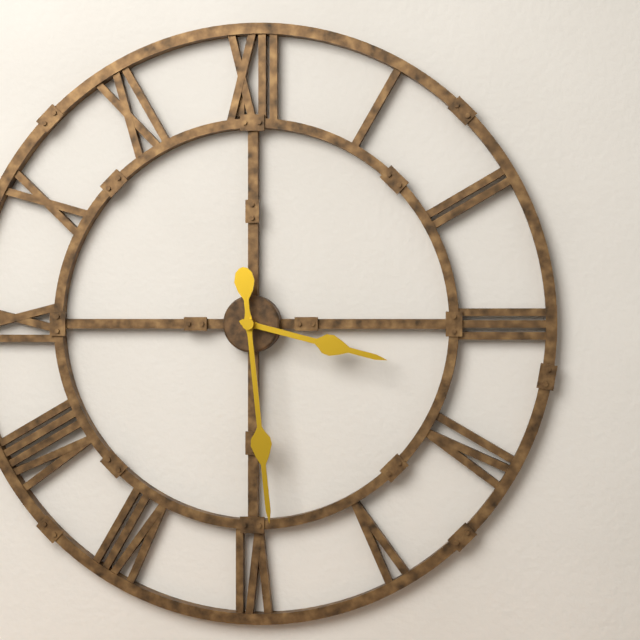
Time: h=3 m=29
